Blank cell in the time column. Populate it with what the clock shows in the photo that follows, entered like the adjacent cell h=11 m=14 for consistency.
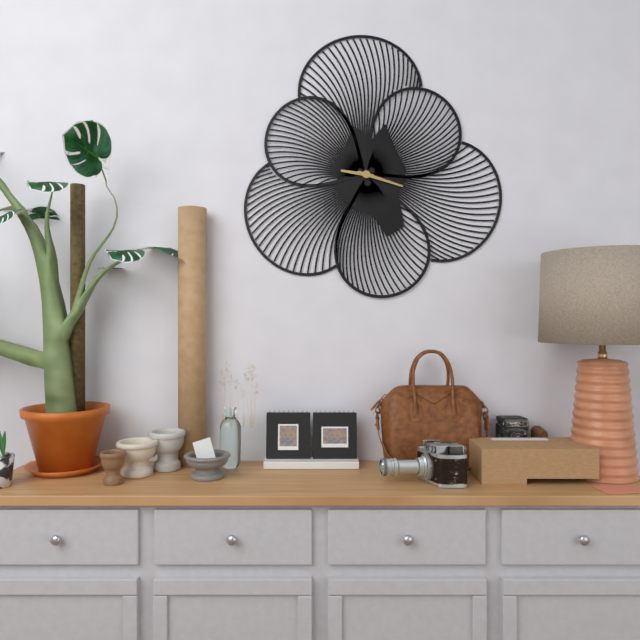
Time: h=9 m=18
